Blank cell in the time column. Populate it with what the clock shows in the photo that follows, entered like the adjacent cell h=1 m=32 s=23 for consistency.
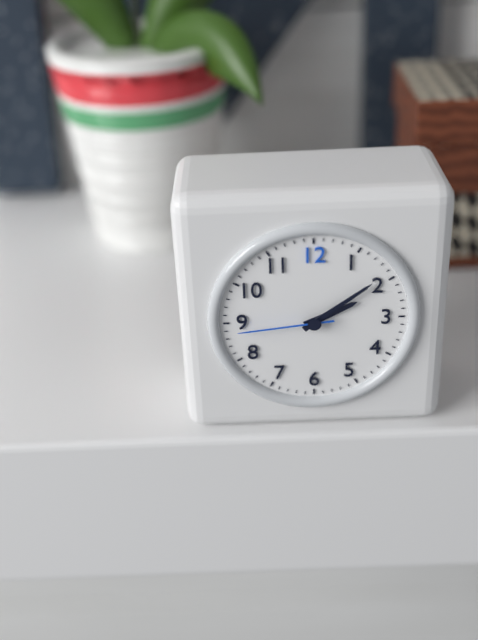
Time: h=2 m=9 s=44
